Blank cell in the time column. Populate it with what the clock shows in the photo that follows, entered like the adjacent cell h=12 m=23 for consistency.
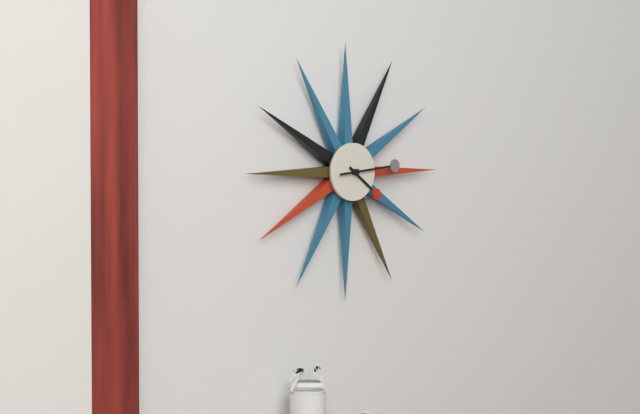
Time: h=4 m=14
